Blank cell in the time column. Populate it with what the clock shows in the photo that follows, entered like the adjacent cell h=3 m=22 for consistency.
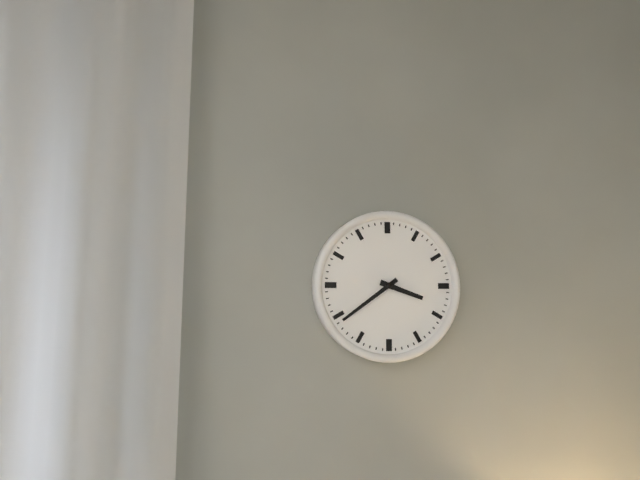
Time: h=3 m=39
